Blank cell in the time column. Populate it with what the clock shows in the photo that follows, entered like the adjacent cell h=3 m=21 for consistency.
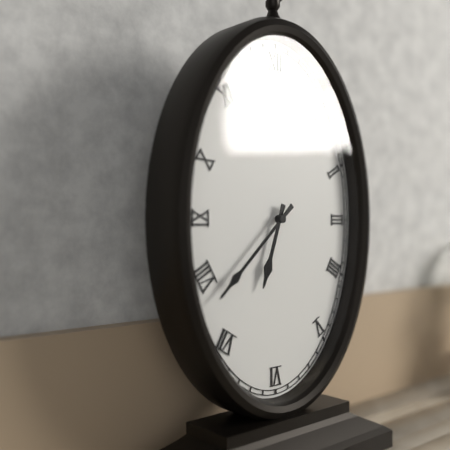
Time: h=6 m=38
